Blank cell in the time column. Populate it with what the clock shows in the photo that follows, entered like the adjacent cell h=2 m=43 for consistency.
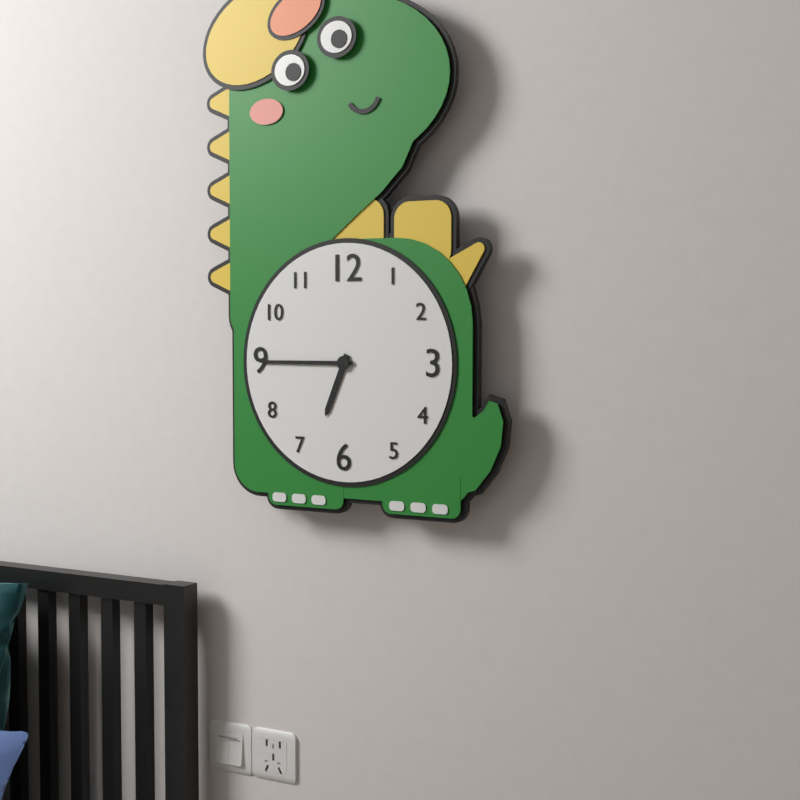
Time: h=6 m=45
